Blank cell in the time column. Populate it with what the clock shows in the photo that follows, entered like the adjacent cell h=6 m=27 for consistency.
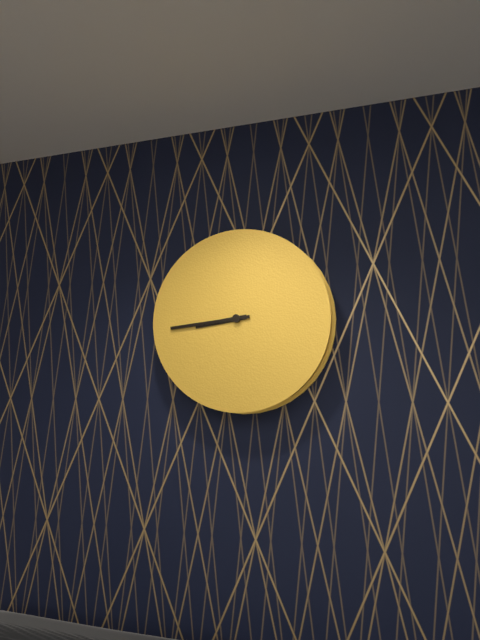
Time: h=8 m=44
